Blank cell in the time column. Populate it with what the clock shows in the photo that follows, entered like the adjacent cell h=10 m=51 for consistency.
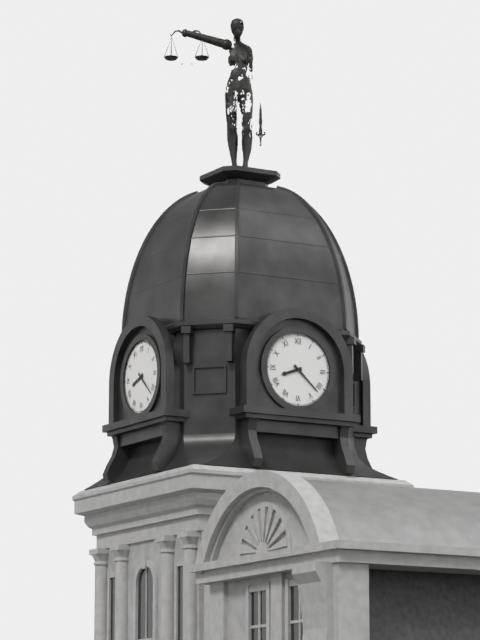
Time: h=8 m=22
